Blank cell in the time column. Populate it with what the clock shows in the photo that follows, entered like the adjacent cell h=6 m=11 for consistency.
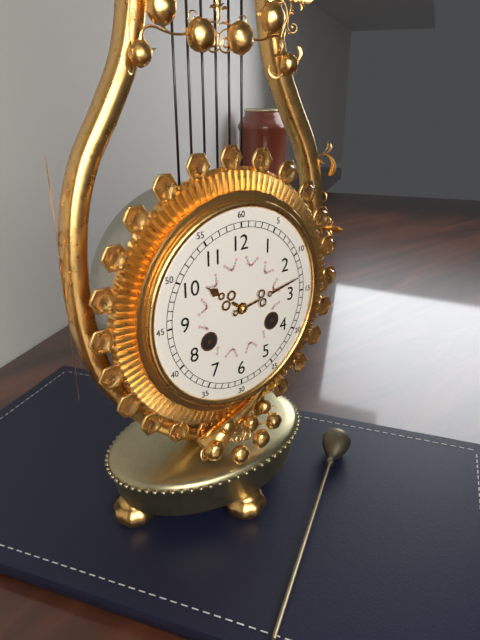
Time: h=10 m=13
